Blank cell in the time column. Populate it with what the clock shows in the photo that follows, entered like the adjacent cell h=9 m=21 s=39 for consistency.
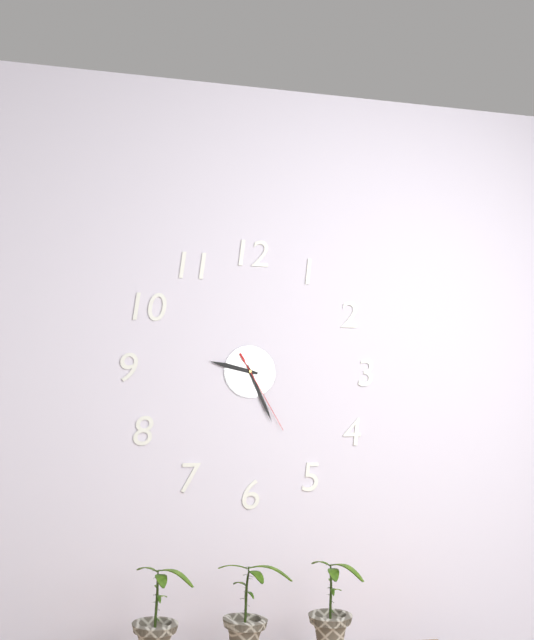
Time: h=9 m=26 s=25
